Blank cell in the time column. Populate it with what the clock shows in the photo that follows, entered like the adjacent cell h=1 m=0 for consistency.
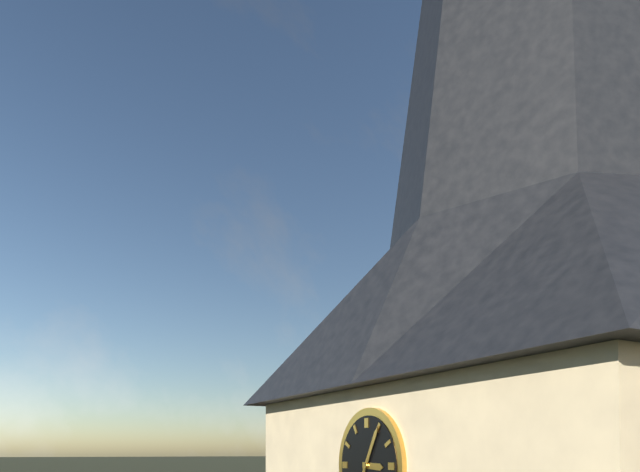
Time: h=3 m=5
